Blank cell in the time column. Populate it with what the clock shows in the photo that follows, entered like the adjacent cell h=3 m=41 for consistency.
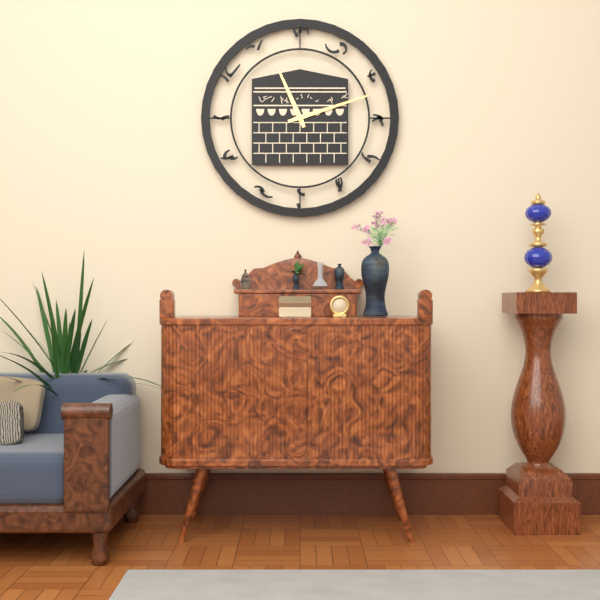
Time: h=11 m=12
